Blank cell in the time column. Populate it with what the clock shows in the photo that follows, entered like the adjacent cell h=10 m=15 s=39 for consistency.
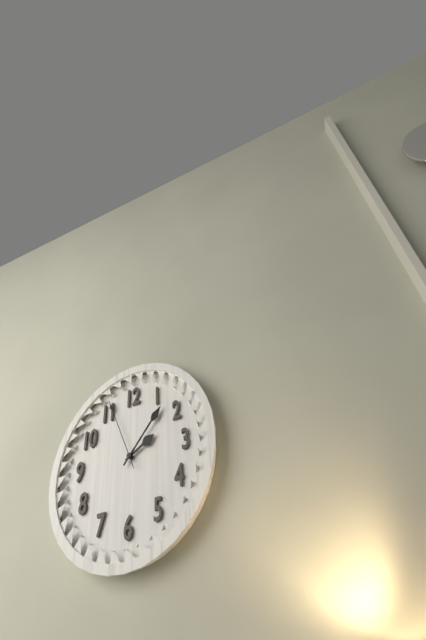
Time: h=2 m=7 s=56
